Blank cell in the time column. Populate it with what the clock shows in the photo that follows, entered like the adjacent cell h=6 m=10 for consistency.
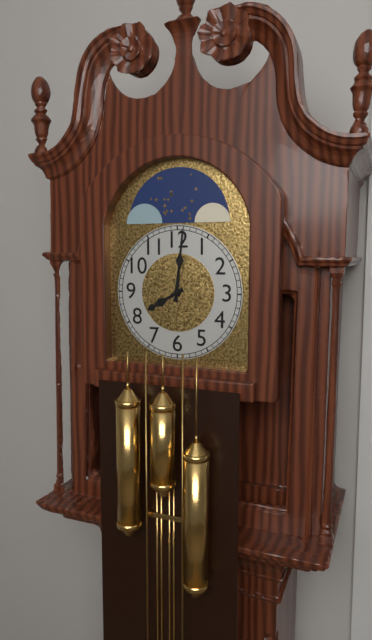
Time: h=8 m=1
